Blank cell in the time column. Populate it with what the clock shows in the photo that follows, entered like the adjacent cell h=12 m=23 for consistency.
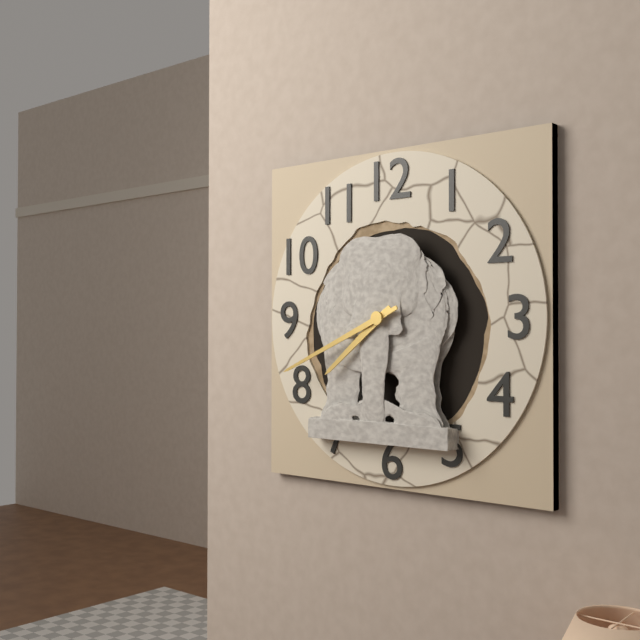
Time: h=7 m=41
